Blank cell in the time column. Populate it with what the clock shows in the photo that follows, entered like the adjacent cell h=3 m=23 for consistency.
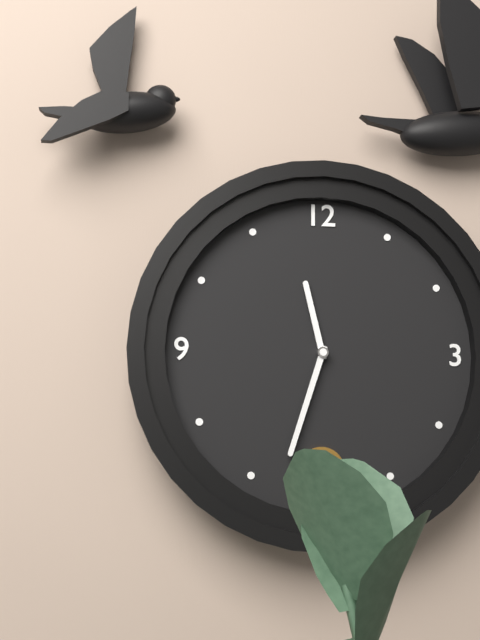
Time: h=11 m=33
